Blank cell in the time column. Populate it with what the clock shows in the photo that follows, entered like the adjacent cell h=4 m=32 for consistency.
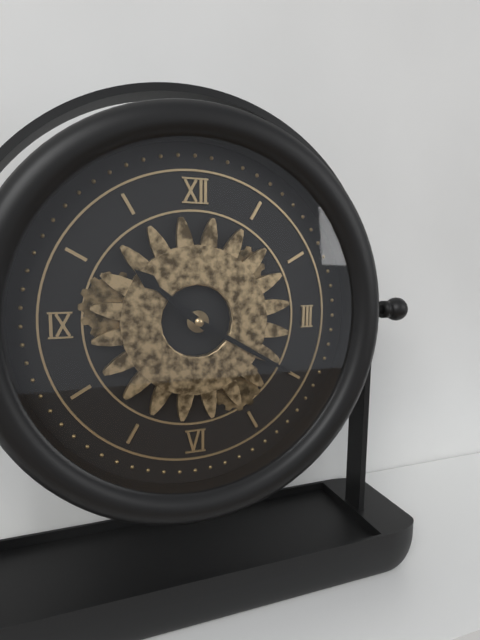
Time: h=10 m=20
